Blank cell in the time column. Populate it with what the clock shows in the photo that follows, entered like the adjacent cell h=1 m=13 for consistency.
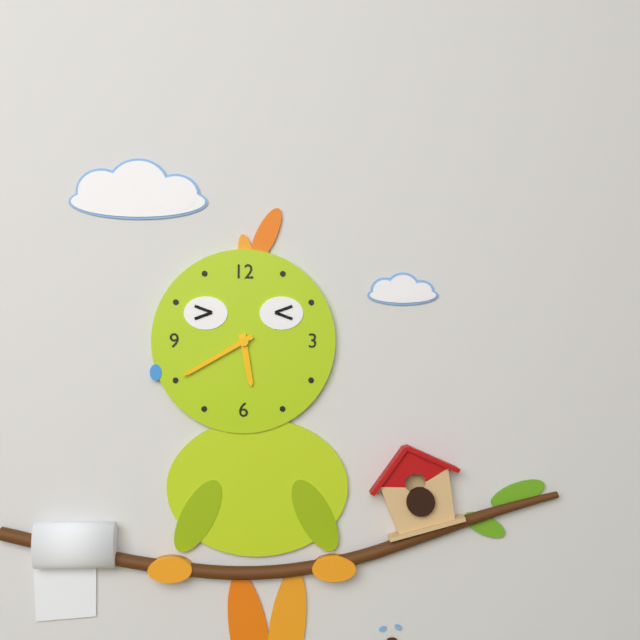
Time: h=5 m=40
